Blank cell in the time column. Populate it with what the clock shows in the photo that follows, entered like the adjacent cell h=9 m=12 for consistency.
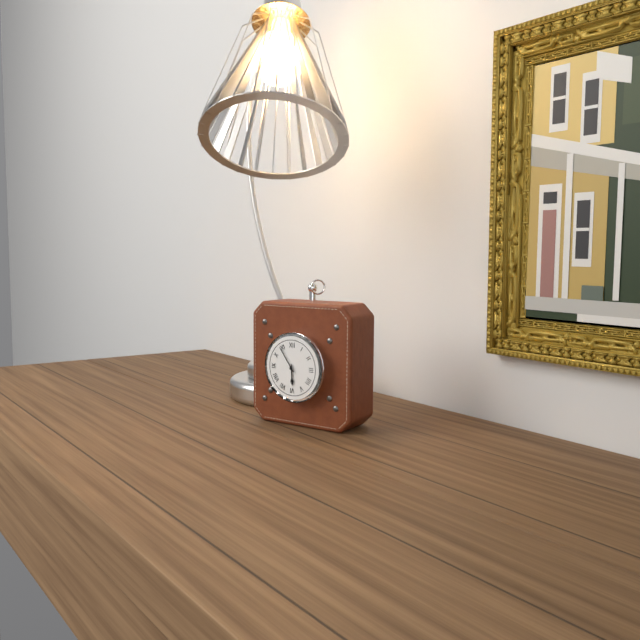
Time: h=5 m=54
